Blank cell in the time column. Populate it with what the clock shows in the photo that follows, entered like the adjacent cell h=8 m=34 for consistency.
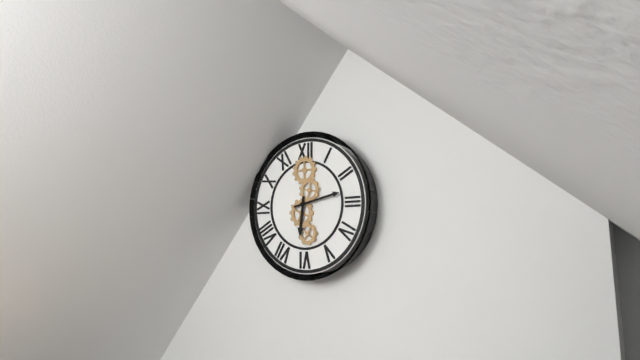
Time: h=6 m=13
